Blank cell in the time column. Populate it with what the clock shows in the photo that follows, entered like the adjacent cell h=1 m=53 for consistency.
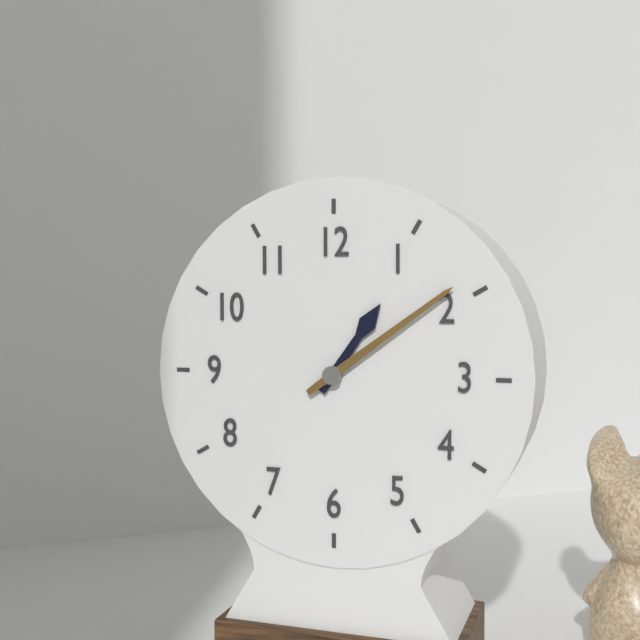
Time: h=1 m=9
